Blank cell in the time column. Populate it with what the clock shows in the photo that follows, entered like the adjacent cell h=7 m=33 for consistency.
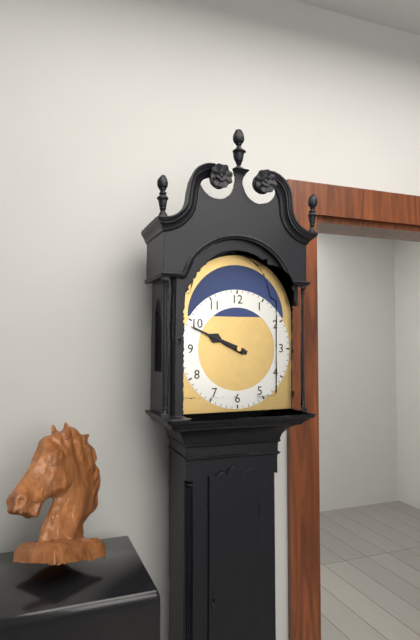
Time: h=9 m=49
